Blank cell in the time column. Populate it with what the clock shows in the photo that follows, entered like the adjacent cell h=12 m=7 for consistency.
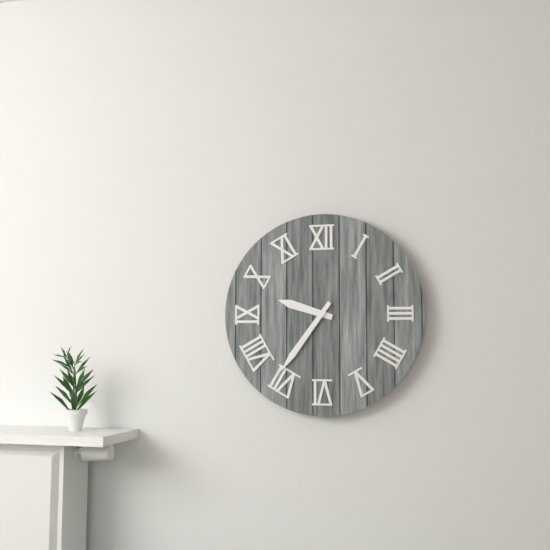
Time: h=9 m=36
